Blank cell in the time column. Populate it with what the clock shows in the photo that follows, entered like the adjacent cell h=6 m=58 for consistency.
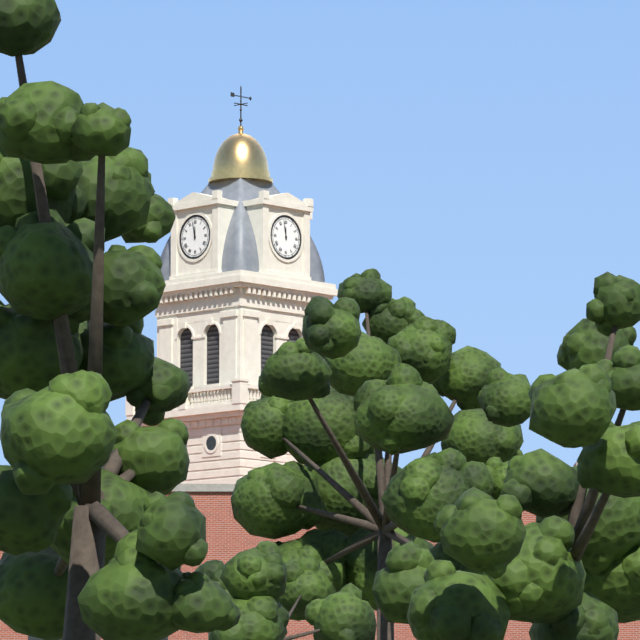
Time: h=11 m=58
